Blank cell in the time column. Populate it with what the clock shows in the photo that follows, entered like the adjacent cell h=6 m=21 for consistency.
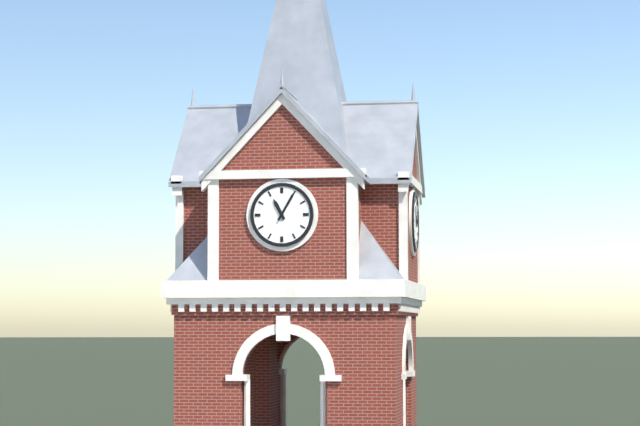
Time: h=11 m=5
